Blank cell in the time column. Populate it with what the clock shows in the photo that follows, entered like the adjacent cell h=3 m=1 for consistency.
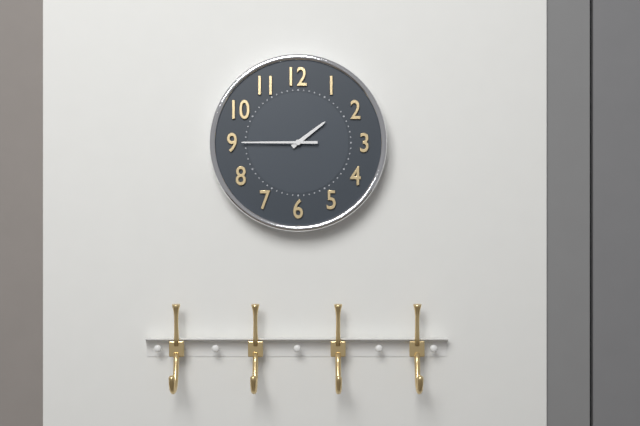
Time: h=1 m=45
